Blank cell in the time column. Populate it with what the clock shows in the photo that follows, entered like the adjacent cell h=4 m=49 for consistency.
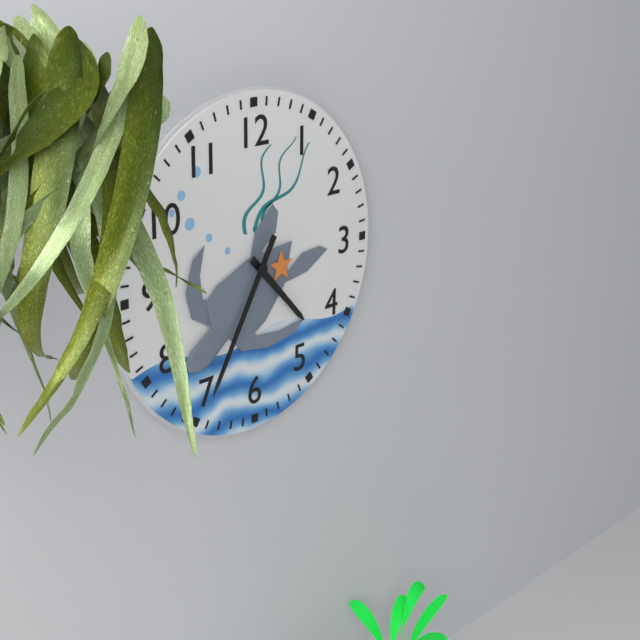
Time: h=4 m=35
